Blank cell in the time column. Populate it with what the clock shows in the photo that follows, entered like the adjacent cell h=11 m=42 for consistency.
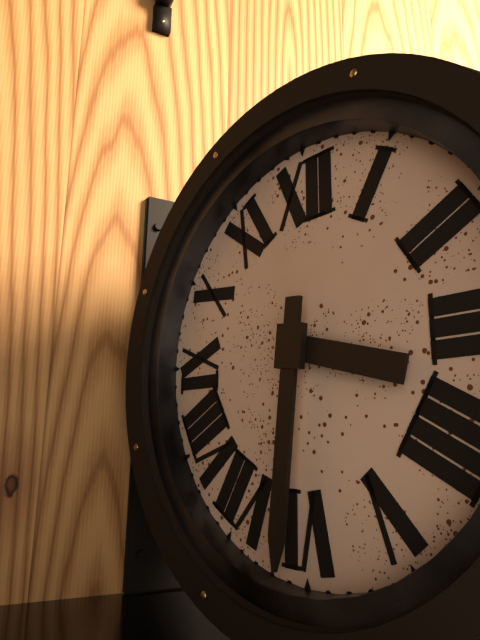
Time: h=3 m=31
